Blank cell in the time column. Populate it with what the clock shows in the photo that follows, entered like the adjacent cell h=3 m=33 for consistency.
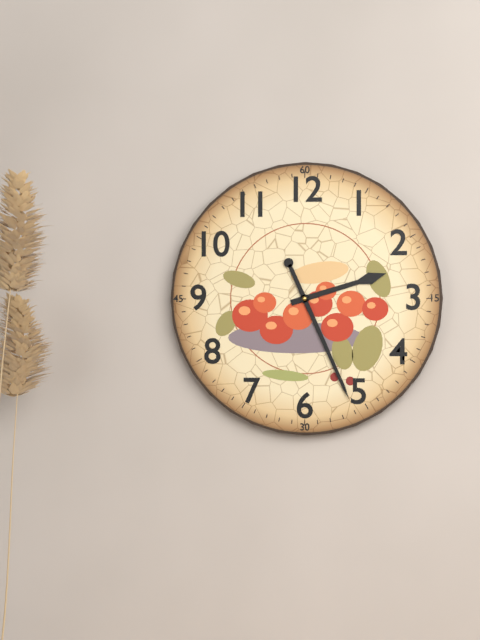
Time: h=2 m=26
